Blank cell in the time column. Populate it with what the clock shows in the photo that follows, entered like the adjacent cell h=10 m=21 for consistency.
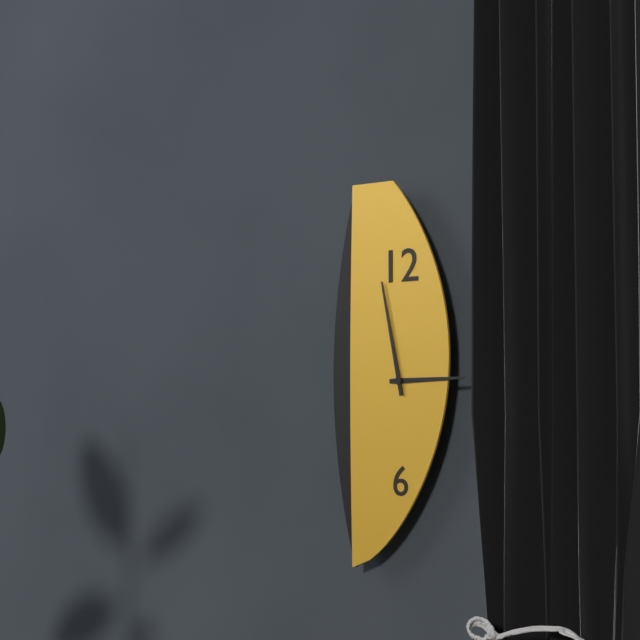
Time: h=2 m=58
